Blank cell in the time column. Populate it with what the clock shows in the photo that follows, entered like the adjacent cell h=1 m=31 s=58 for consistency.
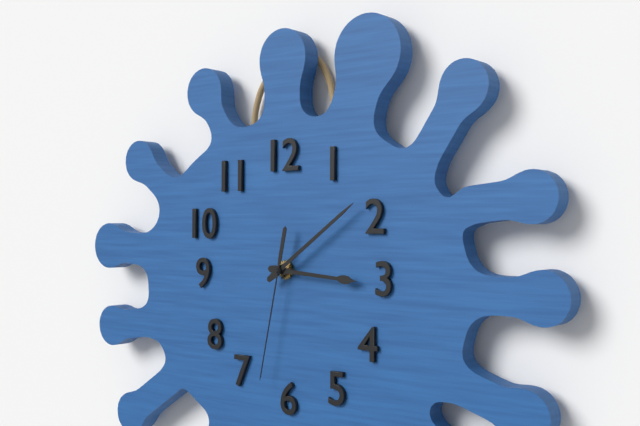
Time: h=3 m=9 s=32
